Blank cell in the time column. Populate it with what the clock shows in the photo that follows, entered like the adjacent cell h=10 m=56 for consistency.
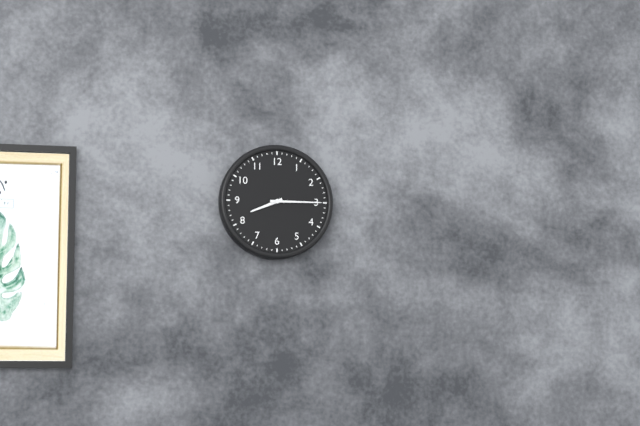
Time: h=8 m=15
